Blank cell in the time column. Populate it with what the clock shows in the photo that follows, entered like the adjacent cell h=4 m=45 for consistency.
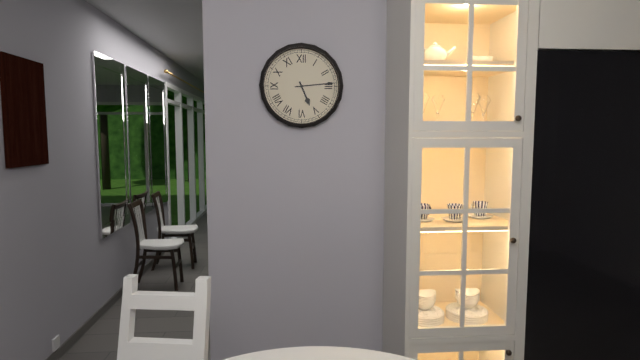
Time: h=5 m=14
